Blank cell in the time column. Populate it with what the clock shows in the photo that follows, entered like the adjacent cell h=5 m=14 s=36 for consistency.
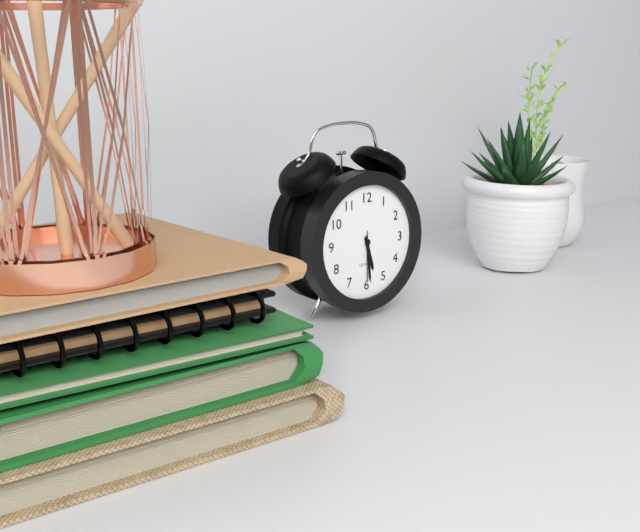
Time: h=5 m=29 s=30
